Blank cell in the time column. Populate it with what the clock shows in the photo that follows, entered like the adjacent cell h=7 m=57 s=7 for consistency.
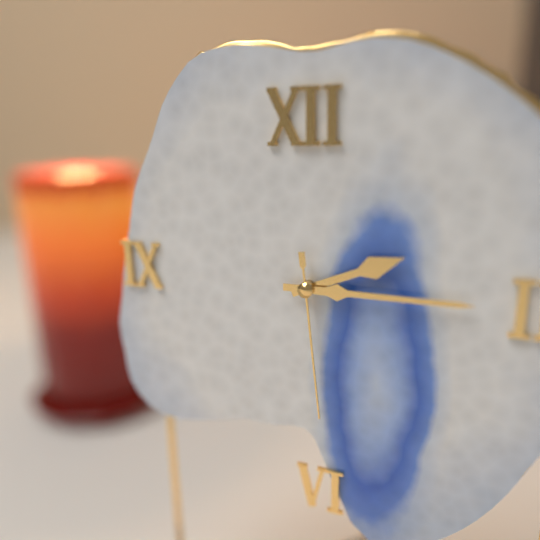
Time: h=2 m=15 s=29
